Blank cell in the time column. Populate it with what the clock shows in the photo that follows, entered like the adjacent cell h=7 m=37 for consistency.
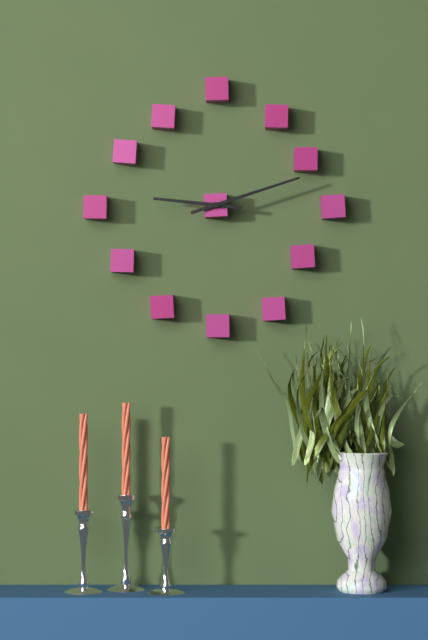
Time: h=9 m=12
